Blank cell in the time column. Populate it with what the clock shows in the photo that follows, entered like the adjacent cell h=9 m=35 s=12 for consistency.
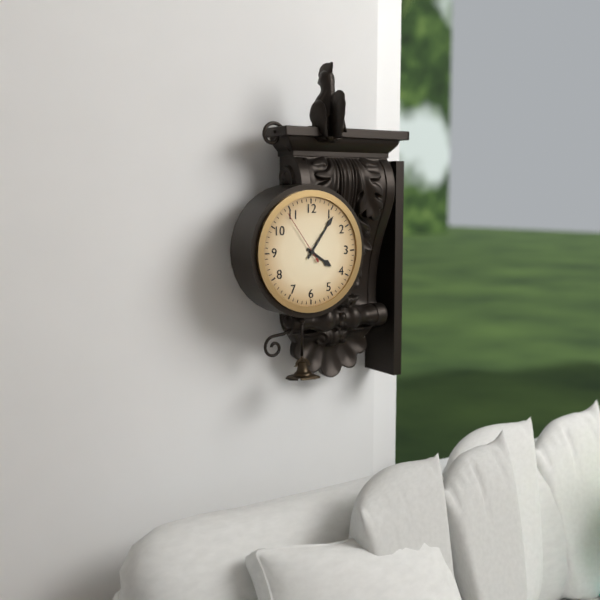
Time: h=4 m=6 s=54
